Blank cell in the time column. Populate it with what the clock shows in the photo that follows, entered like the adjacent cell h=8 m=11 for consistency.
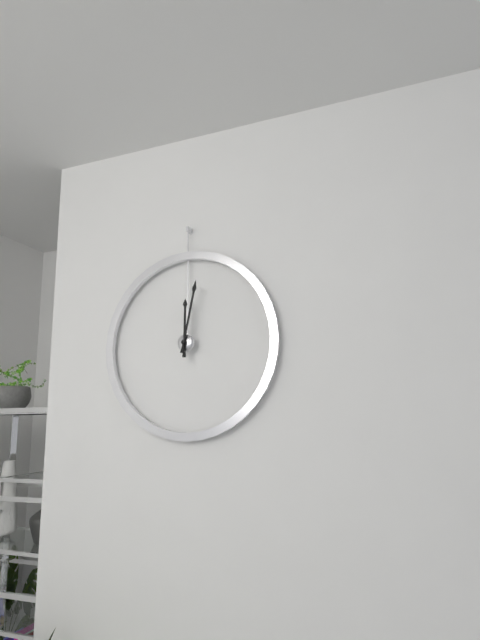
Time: h=12 m=2
